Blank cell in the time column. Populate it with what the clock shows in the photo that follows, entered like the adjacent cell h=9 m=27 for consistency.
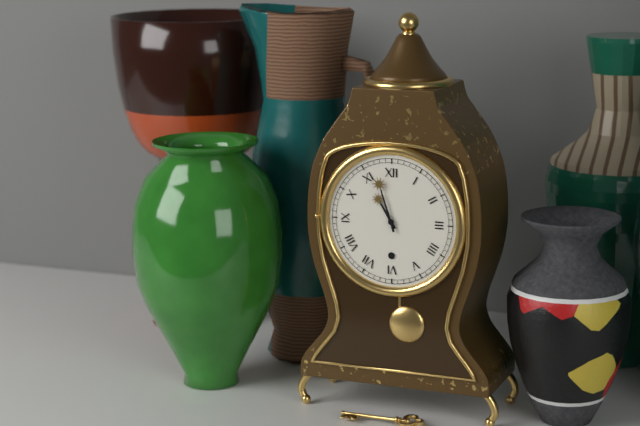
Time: h=10 m=57
